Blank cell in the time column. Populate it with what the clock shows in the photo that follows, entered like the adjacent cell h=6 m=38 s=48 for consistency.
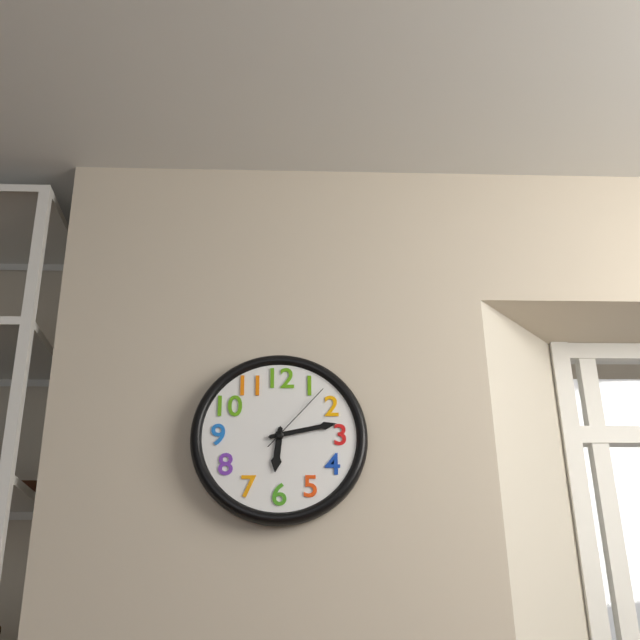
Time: h=6 m=13 s=7
